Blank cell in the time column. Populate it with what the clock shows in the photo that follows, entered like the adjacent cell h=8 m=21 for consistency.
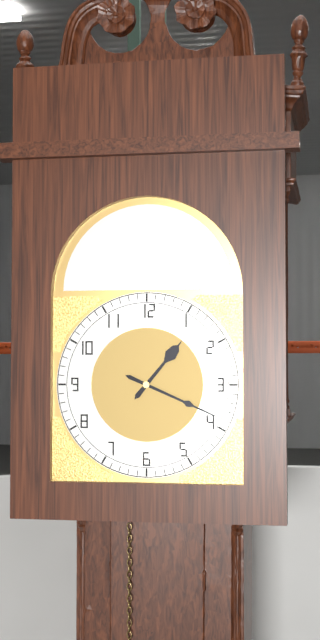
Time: h=1 m=19
